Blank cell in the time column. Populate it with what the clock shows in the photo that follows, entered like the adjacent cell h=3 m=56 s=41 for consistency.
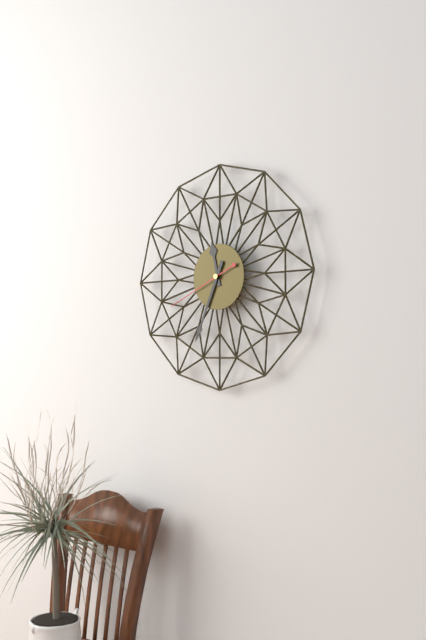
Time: h=11 m=34 s=41
